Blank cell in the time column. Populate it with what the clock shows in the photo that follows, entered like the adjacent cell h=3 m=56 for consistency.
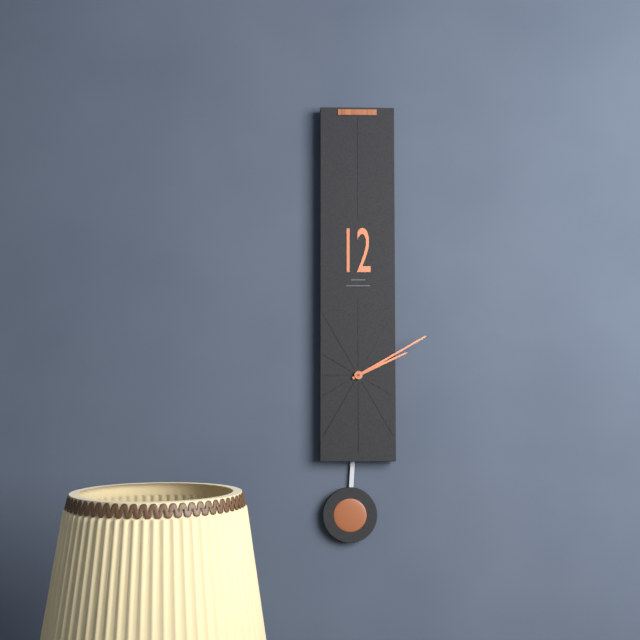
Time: h=2 m=10
